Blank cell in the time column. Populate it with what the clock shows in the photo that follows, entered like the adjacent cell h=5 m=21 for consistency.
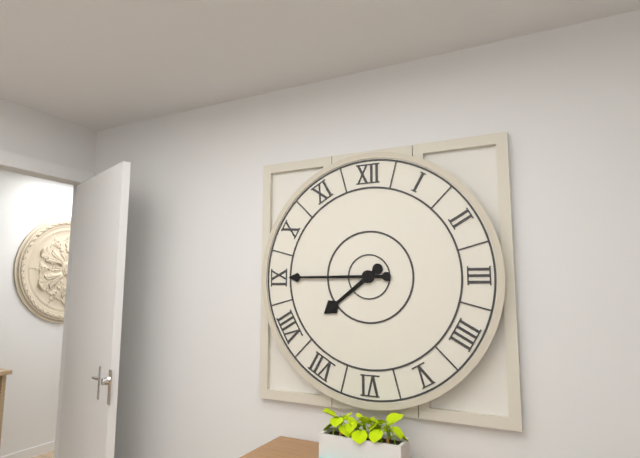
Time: h=7 m=45
